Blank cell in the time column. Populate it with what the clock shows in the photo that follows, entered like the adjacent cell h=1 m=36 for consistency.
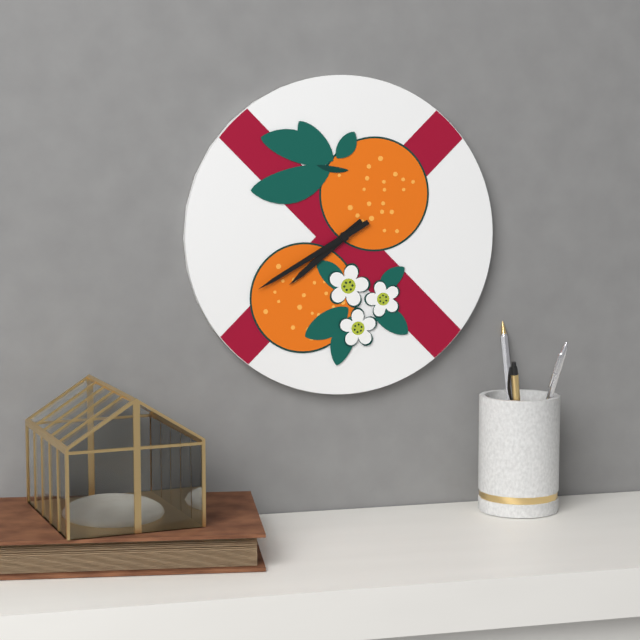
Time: h=7 m=40
